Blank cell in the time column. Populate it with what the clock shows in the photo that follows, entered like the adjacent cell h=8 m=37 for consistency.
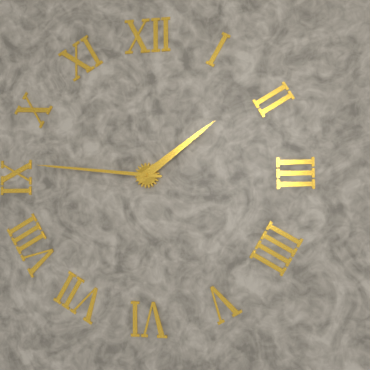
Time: h=1 m=46
